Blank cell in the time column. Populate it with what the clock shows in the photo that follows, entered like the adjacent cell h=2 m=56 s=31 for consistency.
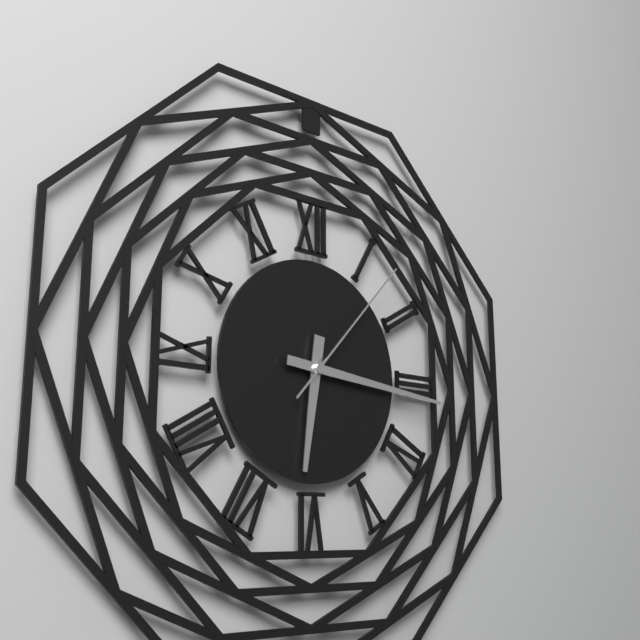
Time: h=6 m=16 s=7
